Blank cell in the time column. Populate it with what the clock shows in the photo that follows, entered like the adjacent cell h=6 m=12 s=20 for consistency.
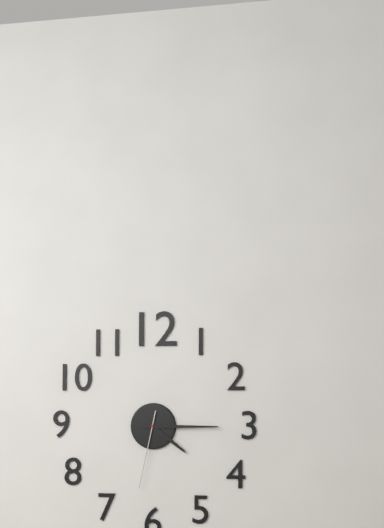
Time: h=4 m=15 s=32
